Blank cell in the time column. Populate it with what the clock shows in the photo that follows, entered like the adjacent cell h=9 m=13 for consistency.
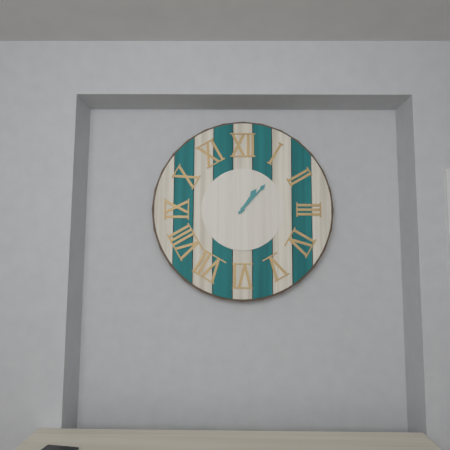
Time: h=1 m=7
